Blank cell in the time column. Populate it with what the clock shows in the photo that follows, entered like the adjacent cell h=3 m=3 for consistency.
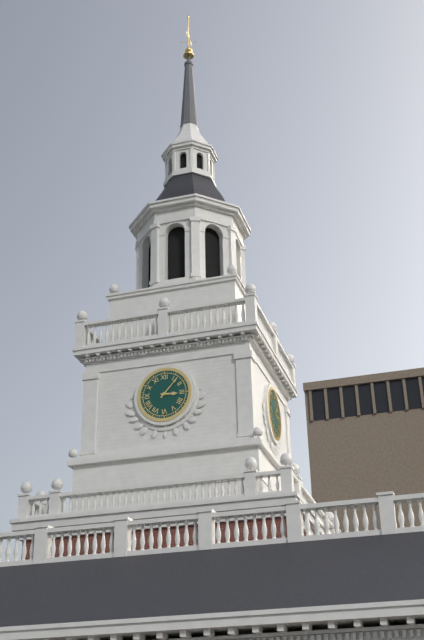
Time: h=3 m=7
